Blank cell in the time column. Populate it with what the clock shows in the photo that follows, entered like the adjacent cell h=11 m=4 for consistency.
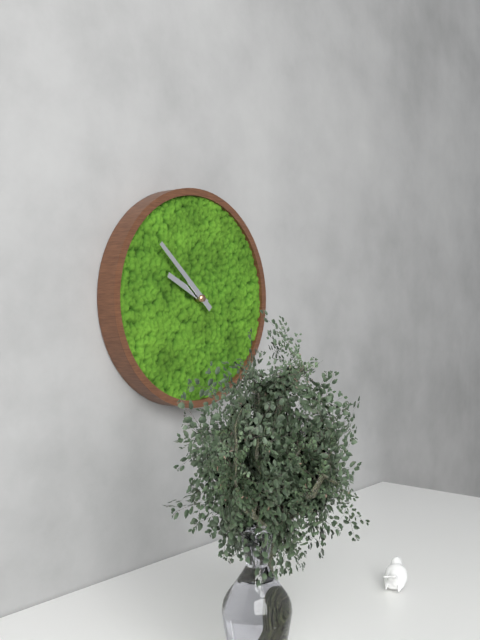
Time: h=9 m=52
